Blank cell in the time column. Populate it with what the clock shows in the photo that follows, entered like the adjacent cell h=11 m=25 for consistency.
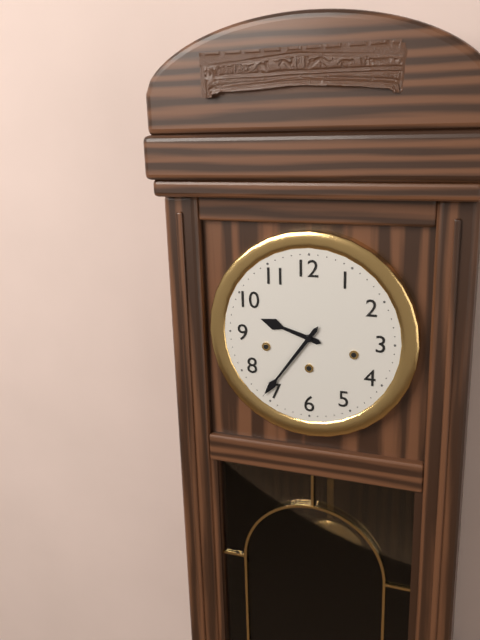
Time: h=9 m=36
